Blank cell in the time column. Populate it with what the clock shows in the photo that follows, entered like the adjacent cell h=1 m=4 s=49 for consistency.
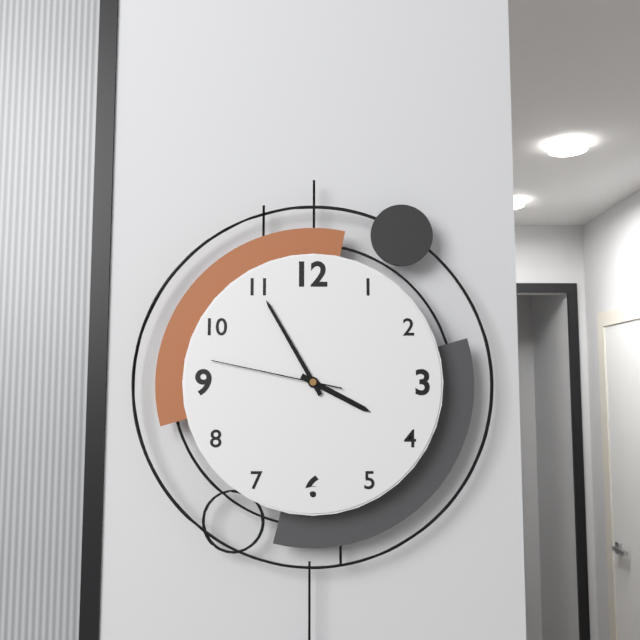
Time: h=3 m=55 s=47
